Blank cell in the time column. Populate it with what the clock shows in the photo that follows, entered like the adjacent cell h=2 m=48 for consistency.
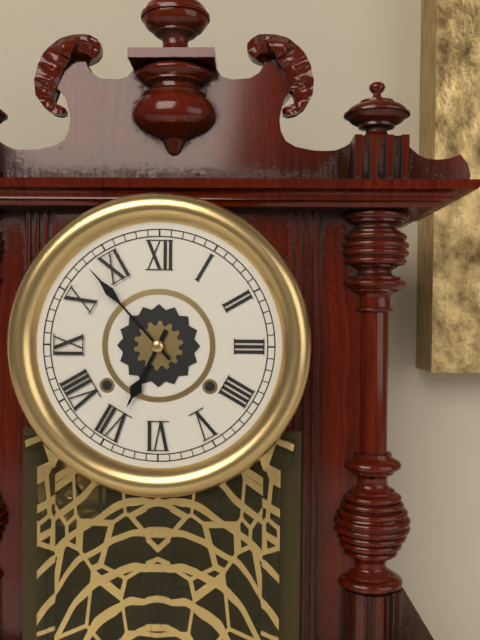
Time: h=6 m=53
